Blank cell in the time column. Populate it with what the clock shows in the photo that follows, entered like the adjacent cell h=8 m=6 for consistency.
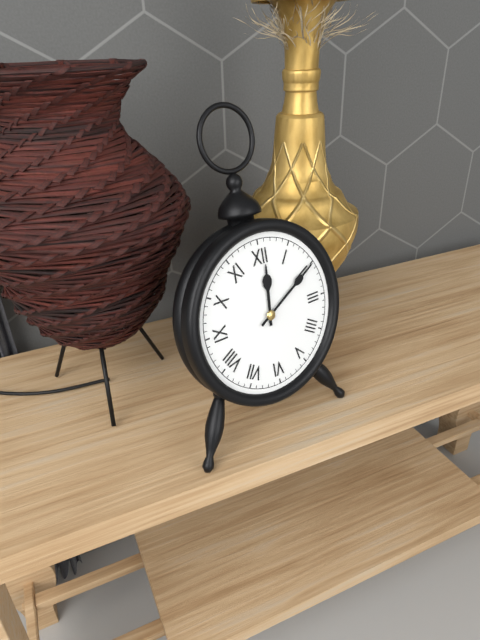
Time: h=12 m=10
